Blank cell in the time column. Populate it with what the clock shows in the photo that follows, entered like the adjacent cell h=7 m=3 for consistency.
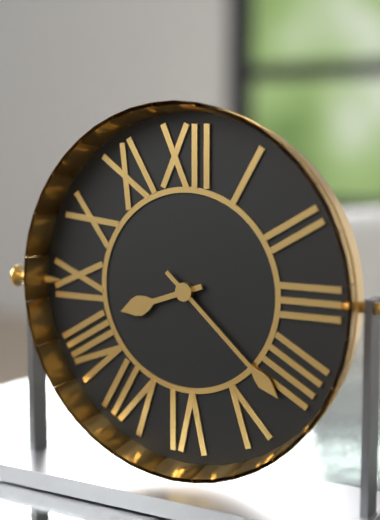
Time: h=8 m=22
